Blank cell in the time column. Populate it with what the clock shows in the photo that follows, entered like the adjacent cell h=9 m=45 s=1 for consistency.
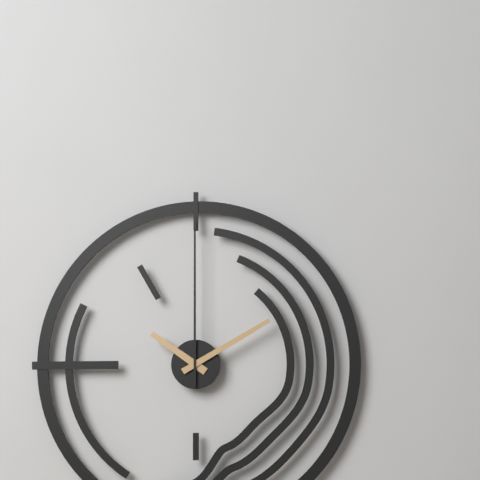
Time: h=10 m=10 s=0
